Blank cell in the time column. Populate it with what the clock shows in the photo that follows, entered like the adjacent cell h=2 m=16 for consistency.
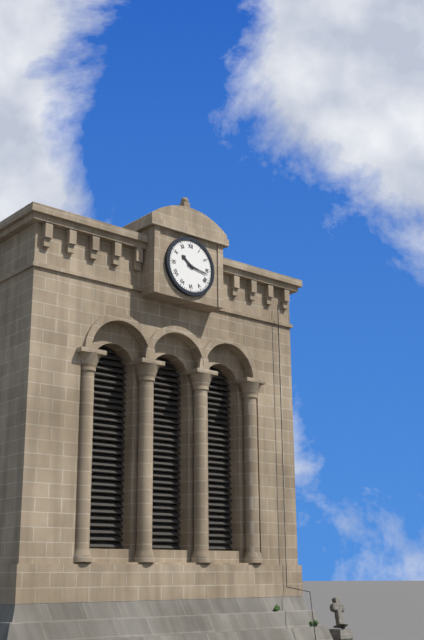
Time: h=10 m=17
